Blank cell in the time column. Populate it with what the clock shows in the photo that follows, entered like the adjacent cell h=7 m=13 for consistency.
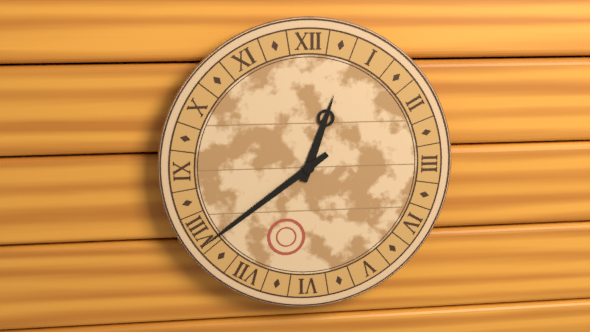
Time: h=12 m=39
